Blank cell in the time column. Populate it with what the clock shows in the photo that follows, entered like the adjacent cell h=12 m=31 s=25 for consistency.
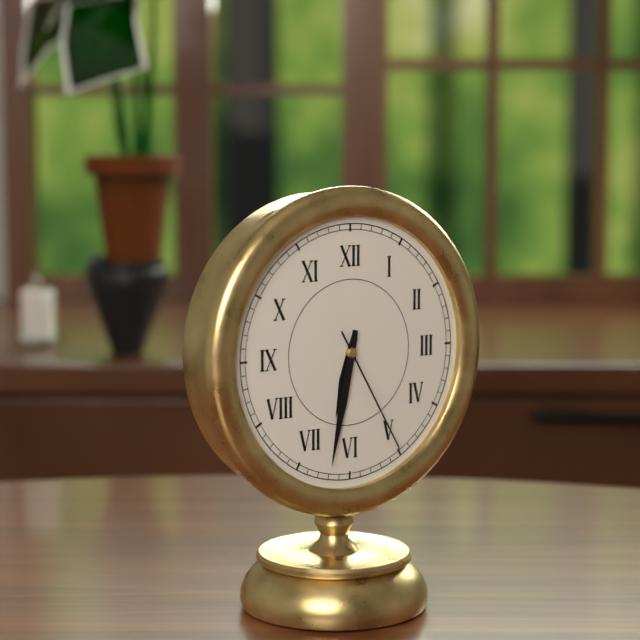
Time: h=6 m=32 s=25
